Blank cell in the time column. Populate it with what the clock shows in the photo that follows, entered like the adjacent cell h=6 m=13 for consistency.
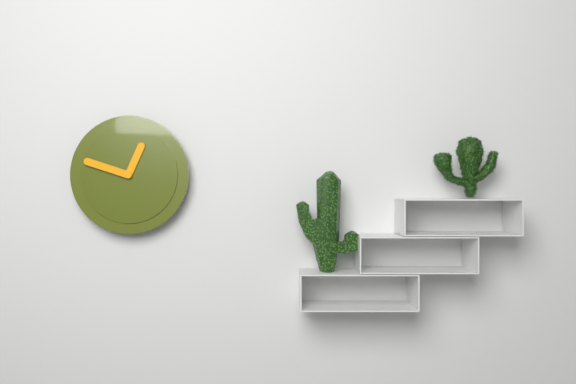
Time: h=12 m=48
